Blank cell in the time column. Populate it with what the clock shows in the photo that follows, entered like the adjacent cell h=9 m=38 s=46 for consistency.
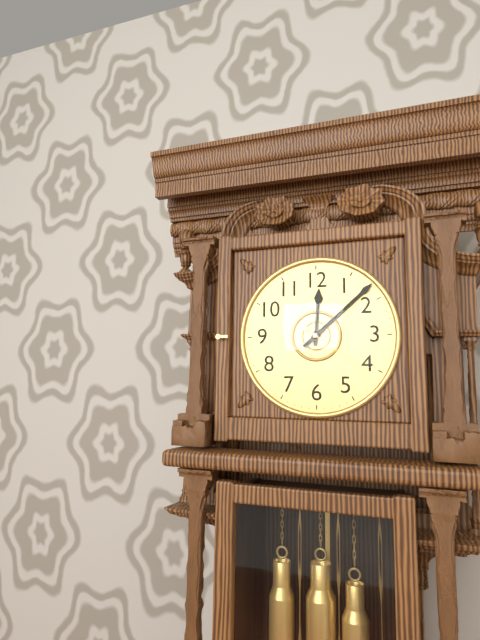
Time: h=12 m=8 s=21
